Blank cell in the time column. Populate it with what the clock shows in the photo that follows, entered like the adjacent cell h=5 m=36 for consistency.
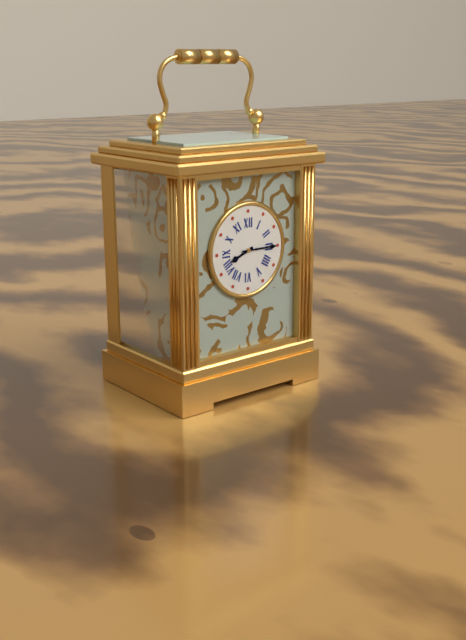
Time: h=8 m=15
